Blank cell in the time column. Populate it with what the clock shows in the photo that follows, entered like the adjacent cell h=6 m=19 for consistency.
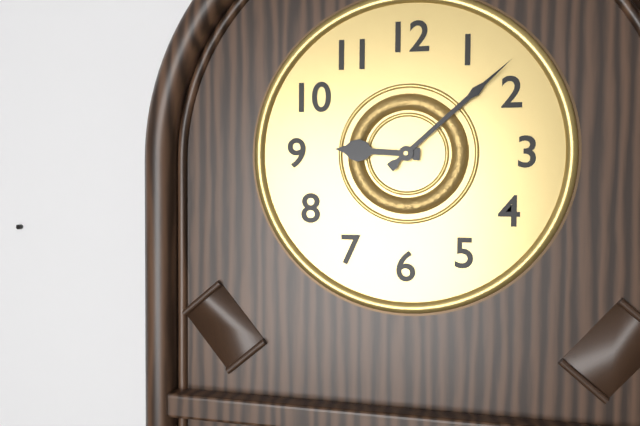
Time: h=9 m=8
